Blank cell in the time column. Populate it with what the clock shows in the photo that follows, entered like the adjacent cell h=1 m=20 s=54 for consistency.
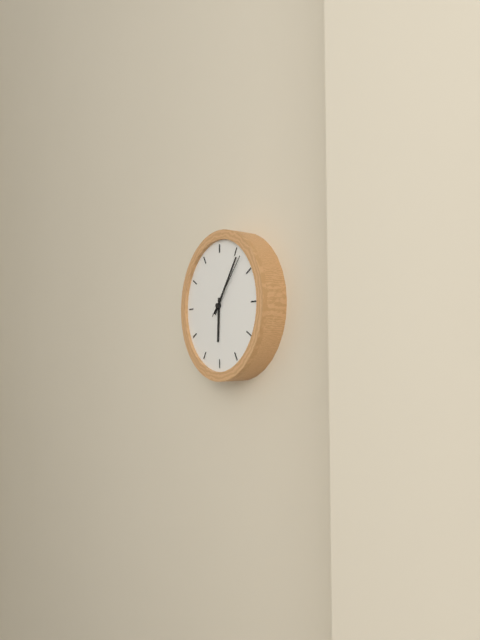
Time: h=6 m=6 s=7
